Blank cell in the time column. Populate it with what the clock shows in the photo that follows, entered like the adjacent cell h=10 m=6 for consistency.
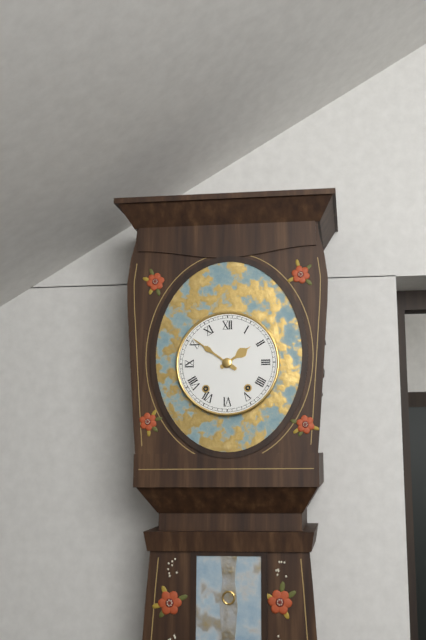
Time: h=1 m=51
